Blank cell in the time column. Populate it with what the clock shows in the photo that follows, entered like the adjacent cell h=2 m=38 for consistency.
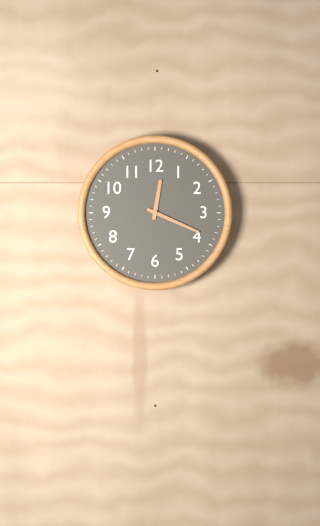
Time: h=12 m=19
